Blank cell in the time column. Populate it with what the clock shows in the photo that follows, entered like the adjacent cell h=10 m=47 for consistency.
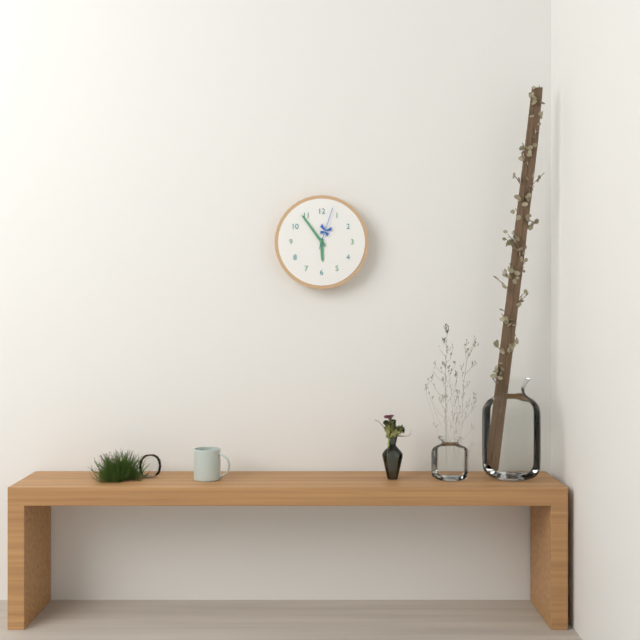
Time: h=5 m=54
